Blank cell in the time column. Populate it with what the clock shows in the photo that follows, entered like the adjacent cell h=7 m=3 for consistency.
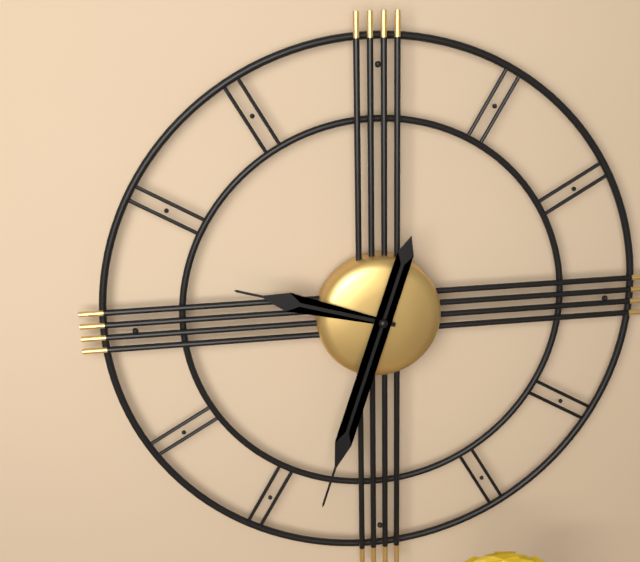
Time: h=9 m=33
